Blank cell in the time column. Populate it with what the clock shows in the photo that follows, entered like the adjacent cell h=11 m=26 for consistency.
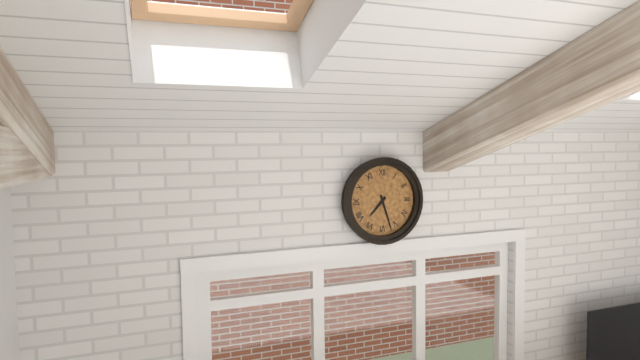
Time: h=7 m=27
